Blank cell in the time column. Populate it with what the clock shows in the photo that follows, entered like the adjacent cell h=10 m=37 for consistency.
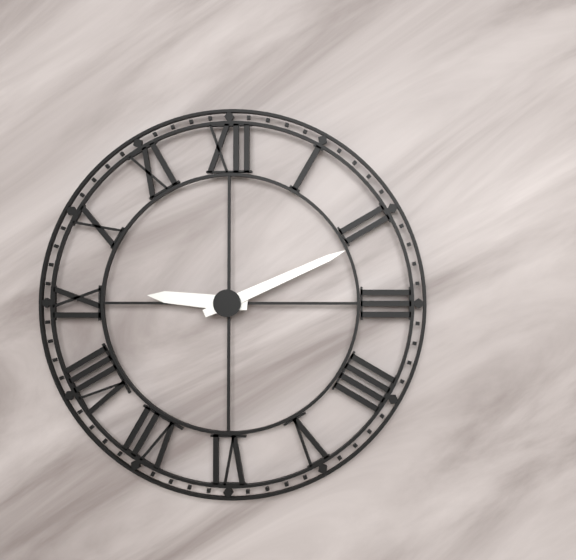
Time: h=9 m=11
